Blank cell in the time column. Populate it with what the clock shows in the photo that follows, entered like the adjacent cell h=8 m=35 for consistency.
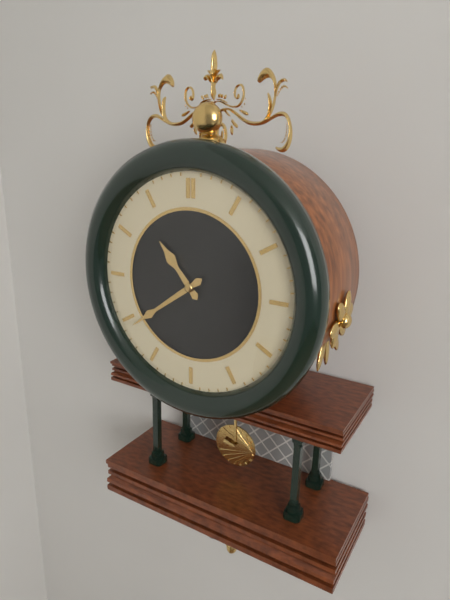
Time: h=10 m=39
